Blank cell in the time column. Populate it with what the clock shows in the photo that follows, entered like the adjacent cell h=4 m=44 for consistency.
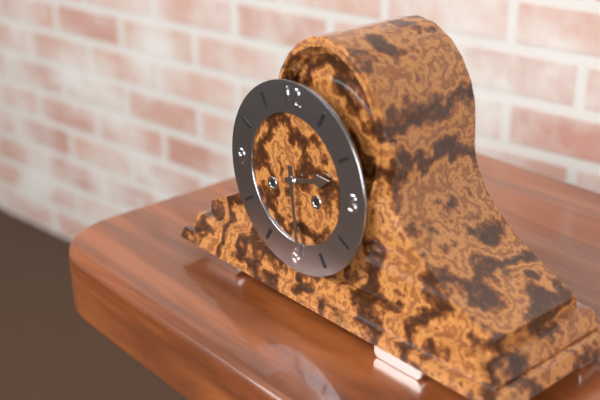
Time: h=2 m=29
